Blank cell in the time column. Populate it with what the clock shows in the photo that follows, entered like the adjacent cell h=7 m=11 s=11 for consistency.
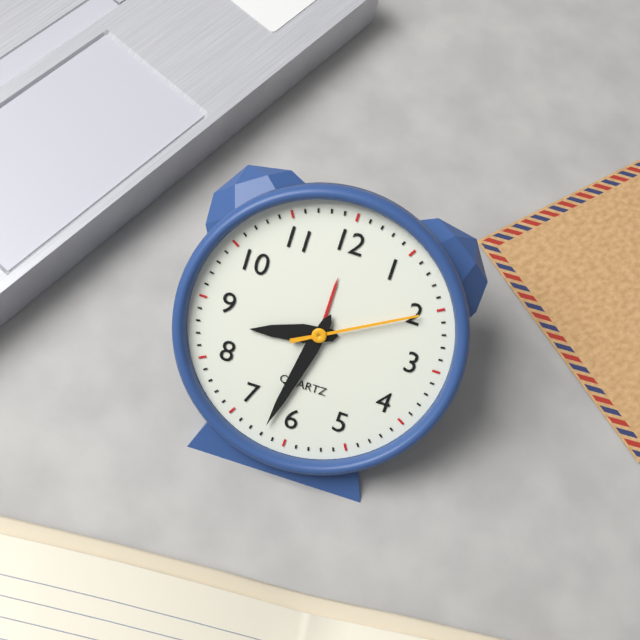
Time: h=8 m=32 s=10
